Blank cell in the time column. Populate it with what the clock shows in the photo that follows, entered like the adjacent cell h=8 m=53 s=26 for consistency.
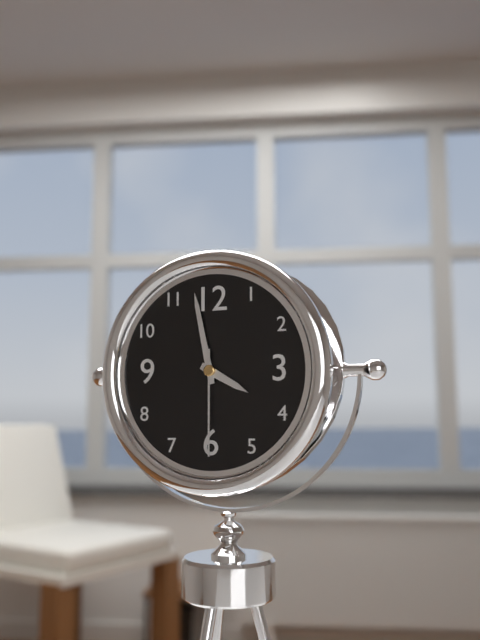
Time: h=3 m=58 s=30
